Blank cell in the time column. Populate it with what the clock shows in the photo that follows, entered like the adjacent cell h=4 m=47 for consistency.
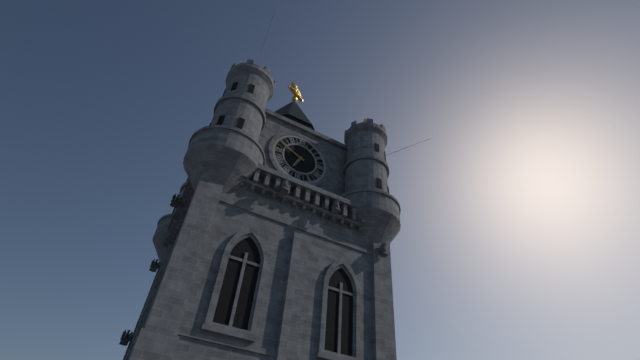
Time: h=6 m=49
